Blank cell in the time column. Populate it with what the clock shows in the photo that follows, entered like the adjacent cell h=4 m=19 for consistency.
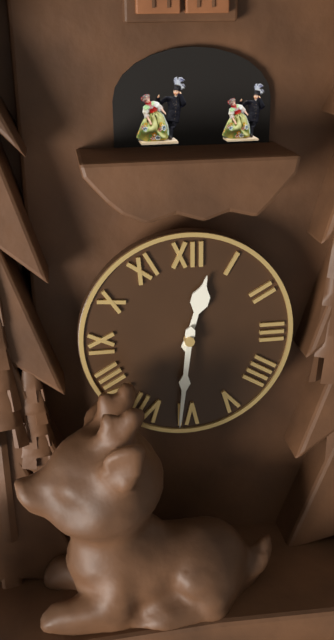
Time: h=12 m=31
